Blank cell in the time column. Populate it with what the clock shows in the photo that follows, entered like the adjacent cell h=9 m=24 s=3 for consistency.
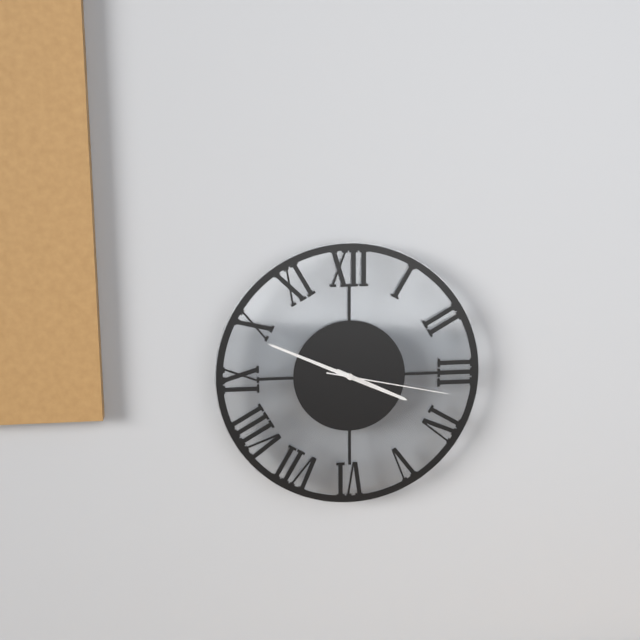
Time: h=3 m=49 s=17
